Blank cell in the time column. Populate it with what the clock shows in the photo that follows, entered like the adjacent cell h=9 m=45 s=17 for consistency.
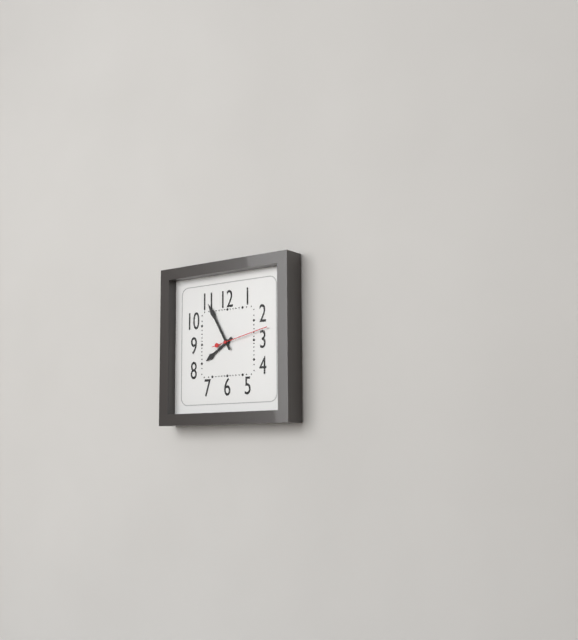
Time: h=7 m=55 s=13
